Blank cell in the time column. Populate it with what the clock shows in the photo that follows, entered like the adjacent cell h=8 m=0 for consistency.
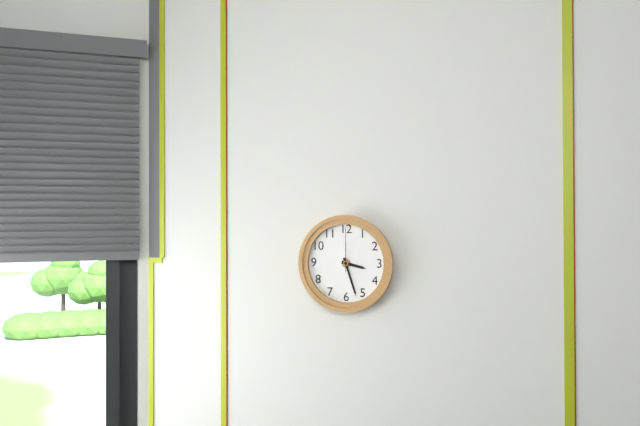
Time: h=3 m=27
